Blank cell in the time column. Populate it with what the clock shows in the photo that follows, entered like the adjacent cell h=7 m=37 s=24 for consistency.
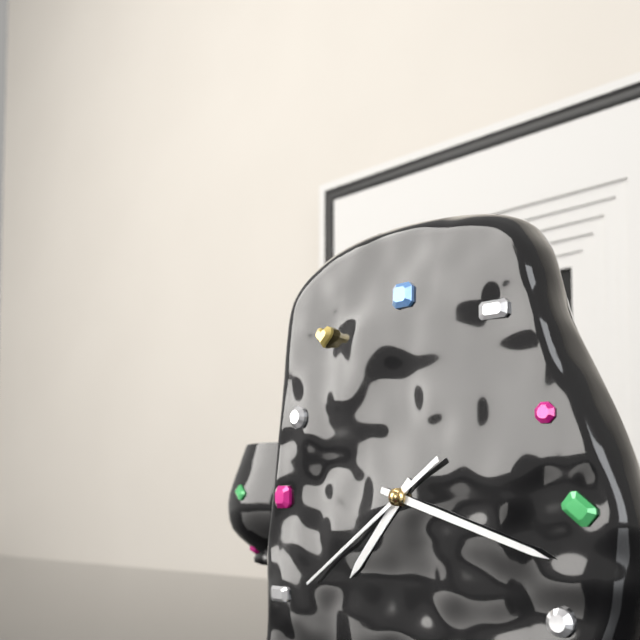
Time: h=7 m=18 s=39
